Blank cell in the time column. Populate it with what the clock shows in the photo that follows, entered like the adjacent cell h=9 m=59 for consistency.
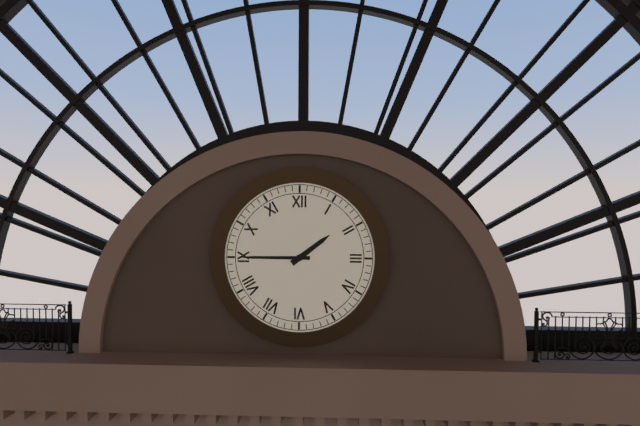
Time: h=1 m=45
